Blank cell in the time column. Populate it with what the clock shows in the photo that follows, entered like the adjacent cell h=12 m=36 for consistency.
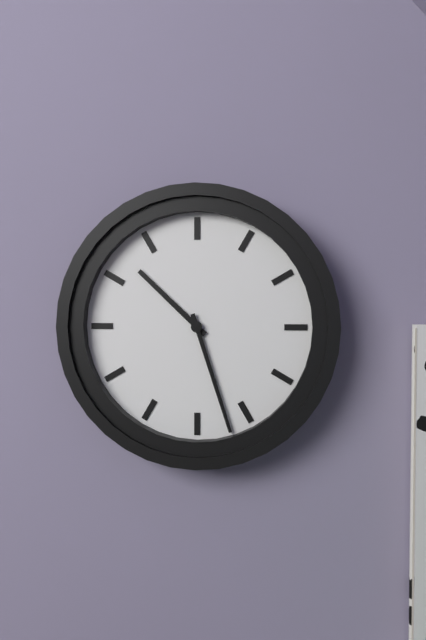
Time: h=10 m=27
